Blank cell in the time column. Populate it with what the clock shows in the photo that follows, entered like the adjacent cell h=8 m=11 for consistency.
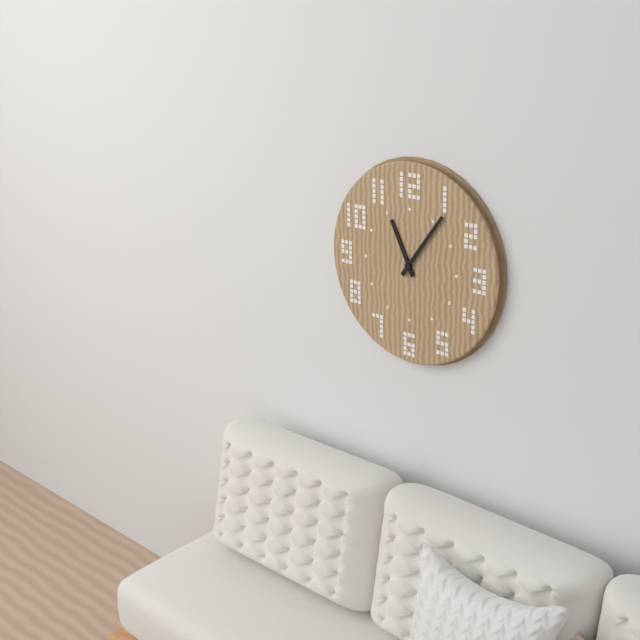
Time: h=11 m=6
